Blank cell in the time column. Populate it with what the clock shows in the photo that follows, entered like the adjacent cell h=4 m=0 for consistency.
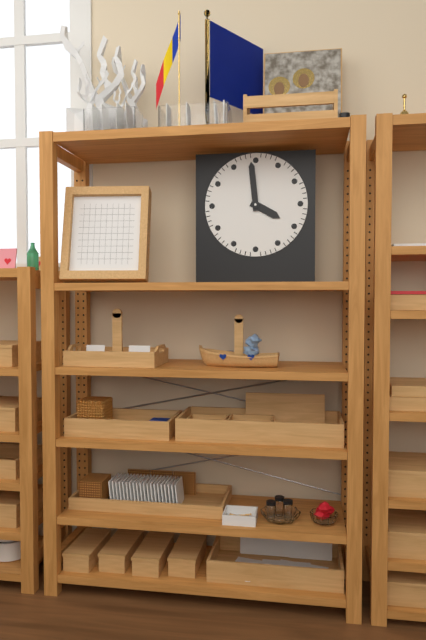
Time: h=3 m=59
